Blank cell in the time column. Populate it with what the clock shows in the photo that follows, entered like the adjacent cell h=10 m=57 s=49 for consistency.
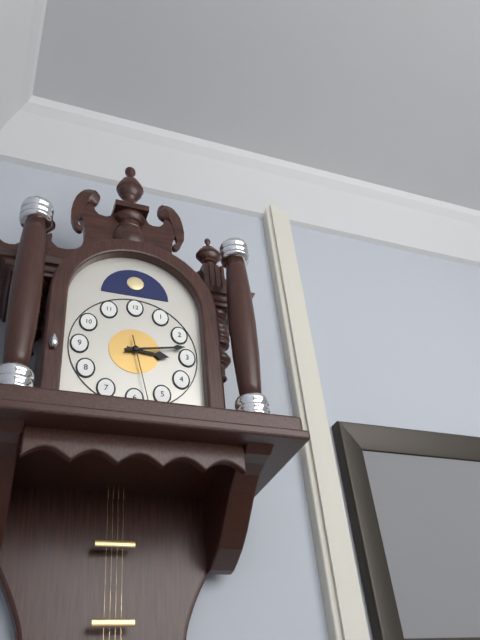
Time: h=3 m=13 s=28
